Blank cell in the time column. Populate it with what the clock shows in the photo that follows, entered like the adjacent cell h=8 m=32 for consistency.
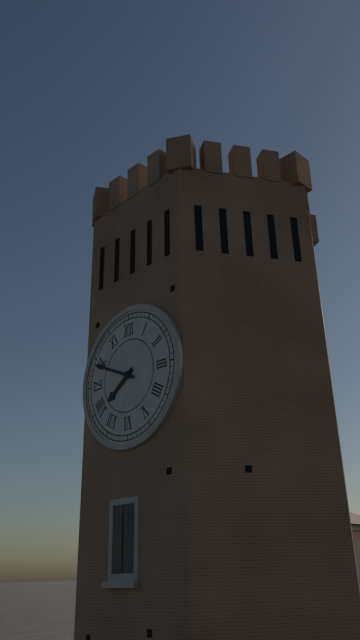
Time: h=7 m=49
